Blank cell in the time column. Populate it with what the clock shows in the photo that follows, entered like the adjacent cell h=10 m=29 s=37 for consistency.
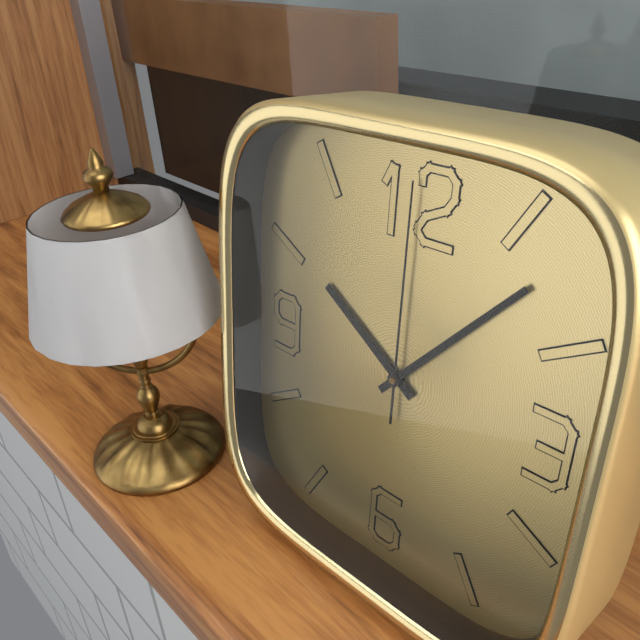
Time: h=10 m=7 s=0
